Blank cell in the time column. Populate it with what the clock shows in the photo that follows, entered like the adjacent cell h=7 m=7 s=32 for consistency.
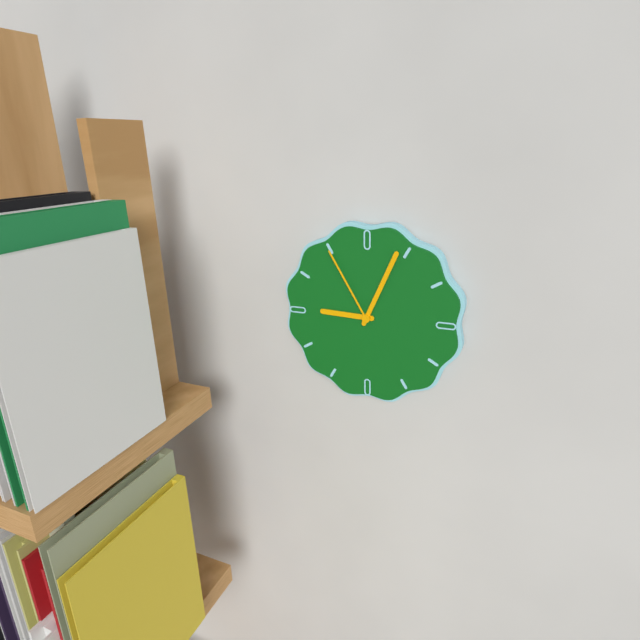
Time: h=9 m=4 s=55
